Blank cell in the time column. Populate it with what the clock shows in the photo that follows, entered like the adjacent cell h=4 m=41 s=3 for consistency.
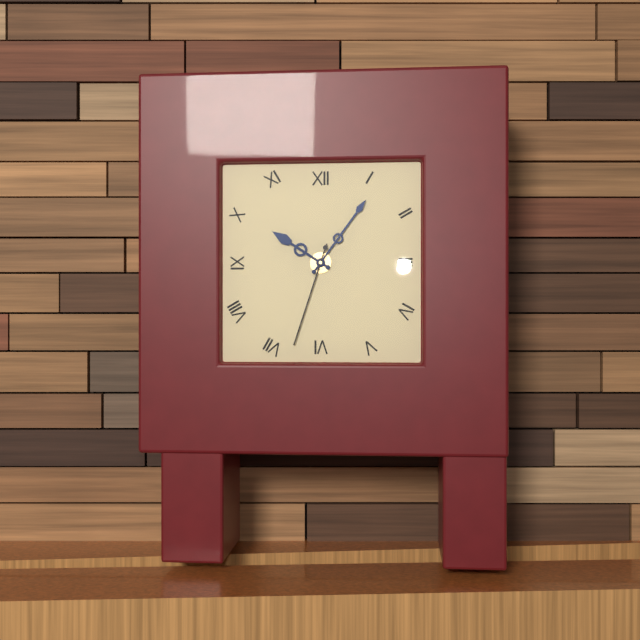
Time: h=10 m=6 s=33
